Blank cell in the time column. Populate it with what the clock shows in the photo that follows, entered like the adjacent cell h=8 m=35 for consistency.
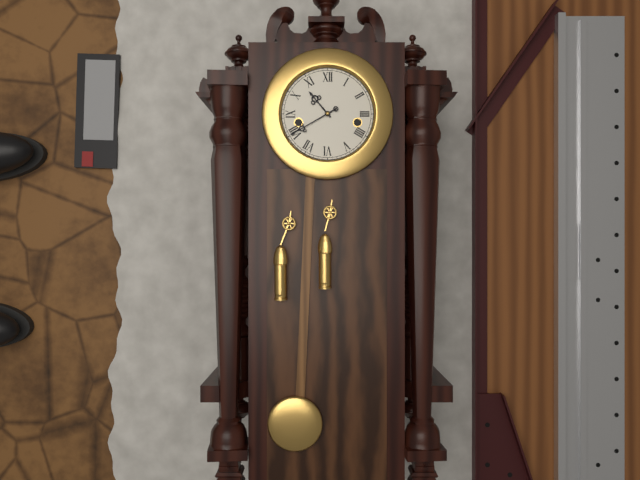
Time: h=10 m=40
